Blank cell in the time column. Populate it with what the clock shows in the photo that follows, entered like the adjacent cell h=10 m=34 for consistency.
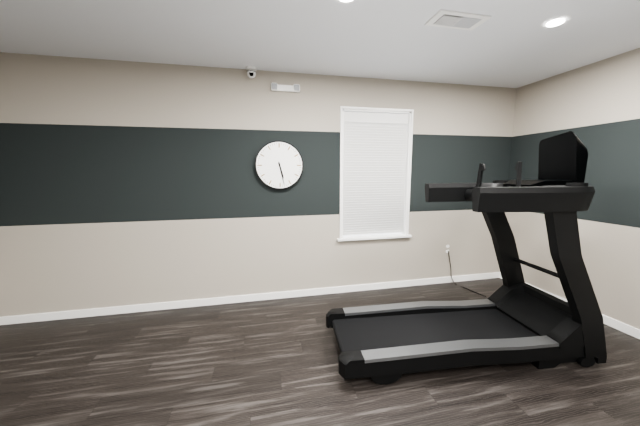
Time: h=5 m=28
